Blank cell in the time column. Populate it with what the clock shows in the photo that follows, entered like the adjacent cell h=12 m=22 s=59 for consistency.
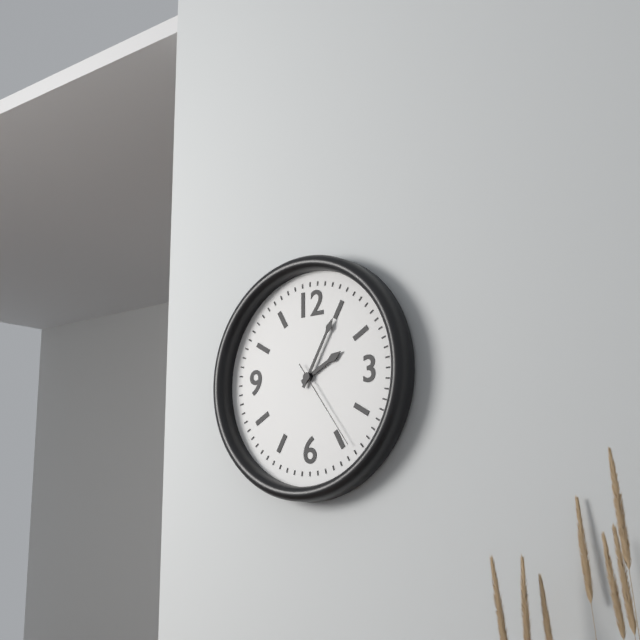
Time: h=2 m=5 s=24
